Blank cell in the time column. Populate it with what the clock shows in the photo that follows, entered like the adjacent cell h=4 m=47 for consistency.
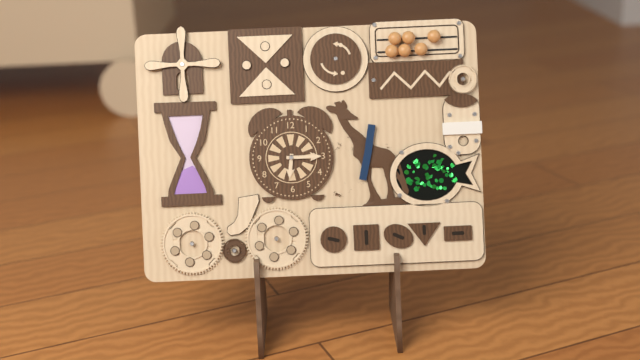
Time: h=6 m=15
